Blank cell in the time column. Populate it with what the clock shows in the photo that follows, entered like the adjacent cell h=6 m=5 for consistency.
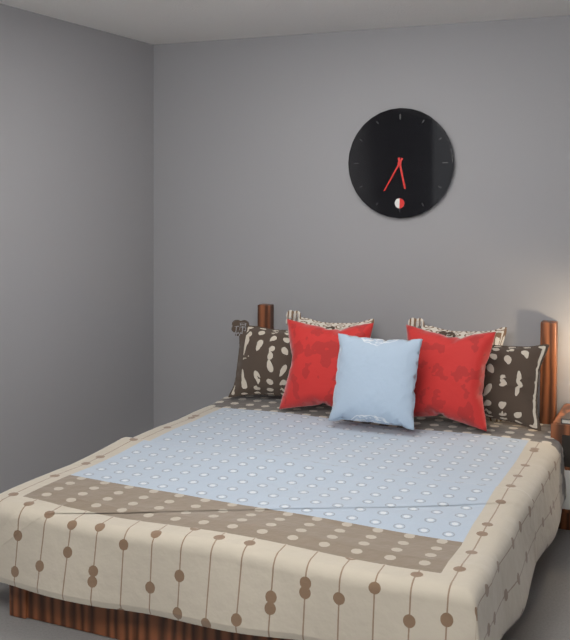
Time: h=5 m=35
